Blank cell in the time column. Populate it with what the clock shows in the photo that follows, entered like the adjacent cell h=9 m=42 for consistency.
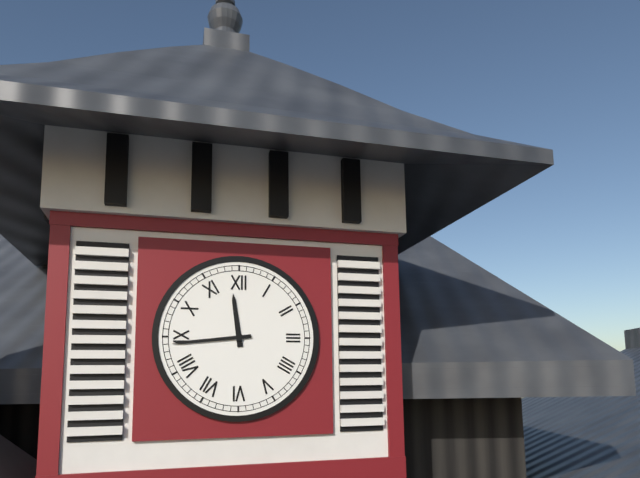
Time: h=11 m=44
